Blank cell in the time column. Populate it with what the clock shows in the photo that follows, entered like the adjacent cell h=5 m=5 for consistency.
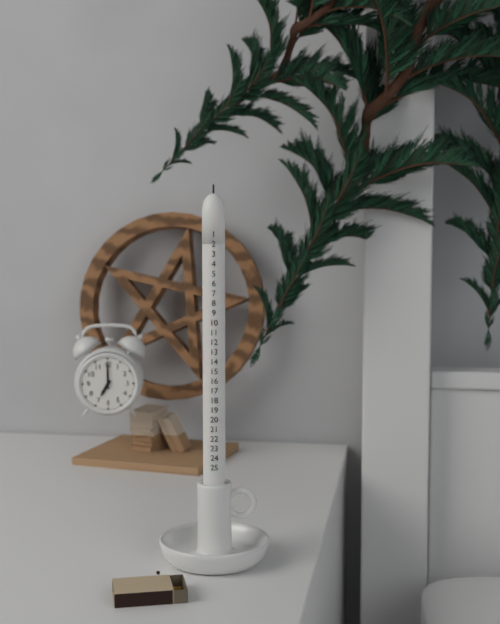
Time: h=7 m=0
